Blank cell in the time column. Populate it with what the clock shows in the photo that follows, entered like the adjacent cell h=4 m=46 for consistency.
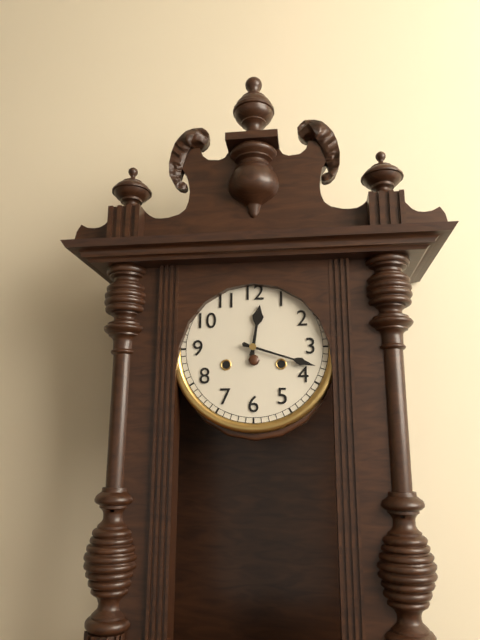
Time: h=12 m=18
